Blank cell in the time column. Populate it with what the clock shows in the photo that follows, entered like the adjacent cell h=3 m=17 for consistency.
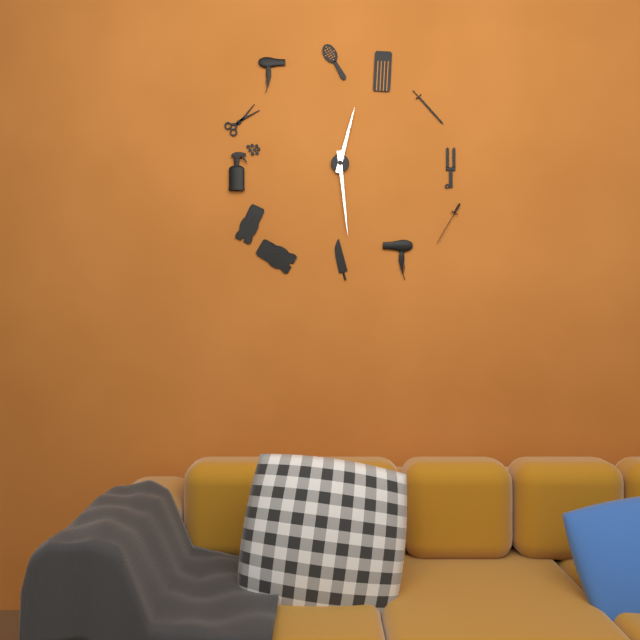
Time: h=12 m=29
